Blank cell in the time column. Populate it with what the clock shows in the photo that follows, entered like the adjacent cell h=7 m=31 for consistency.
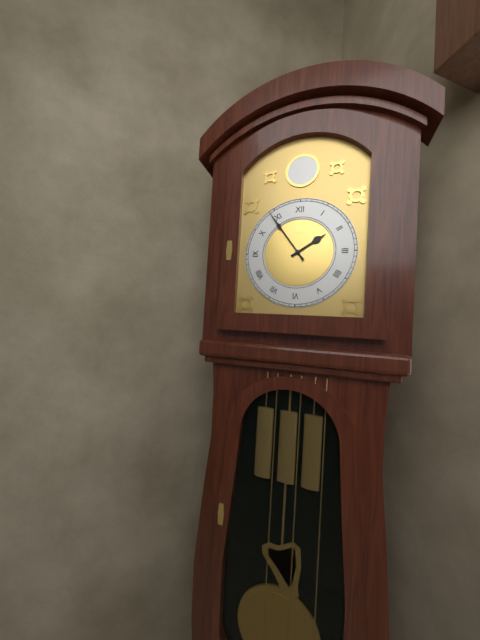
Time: h=1 m=54
